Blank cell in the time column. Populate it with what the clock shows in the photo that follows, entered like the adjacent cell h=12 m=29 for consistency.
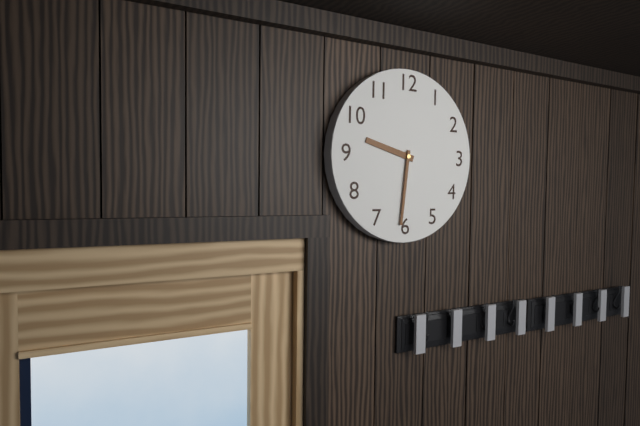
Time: h=9 m=31
